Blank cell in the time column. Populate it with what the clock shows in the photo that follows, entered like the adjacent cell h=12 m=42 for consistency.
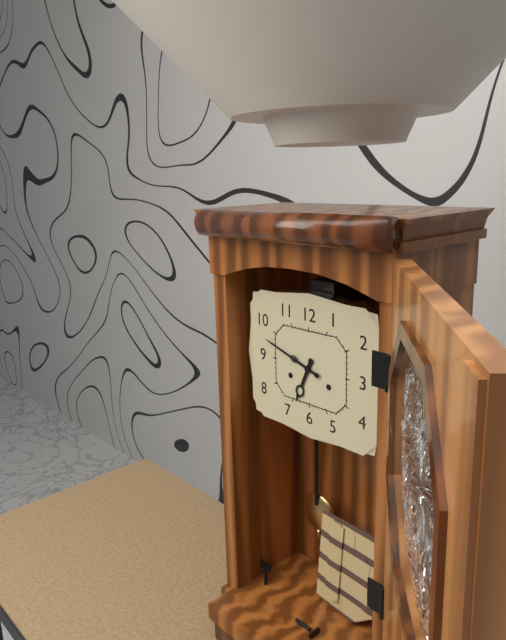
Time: h=6 m=48
